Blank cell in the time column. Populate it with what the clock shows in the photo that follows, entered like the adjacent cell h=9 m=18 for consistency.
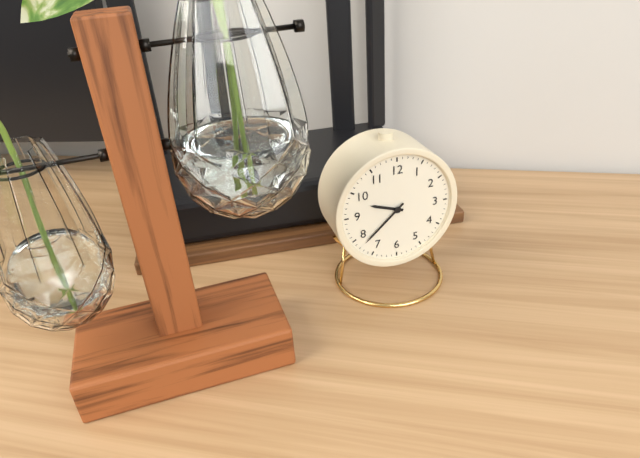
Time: h=9 m=38
